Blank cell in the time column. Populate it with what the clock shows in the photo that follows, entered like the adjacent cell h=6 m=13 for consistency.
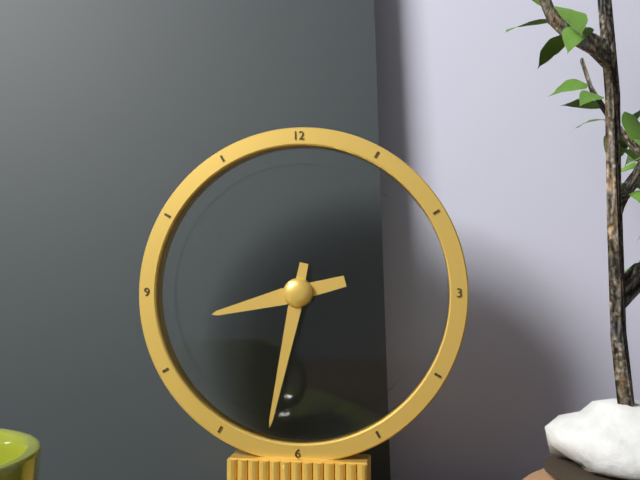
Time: h=8 m=32
